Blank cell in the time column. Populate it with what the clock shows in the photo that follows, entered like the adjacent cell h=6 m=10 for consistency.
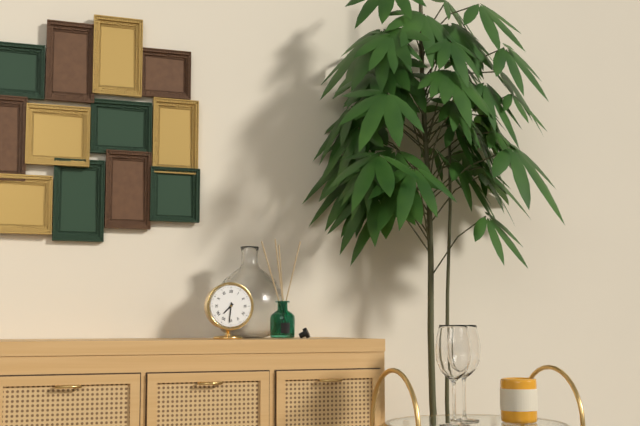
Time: h=7 m=31
